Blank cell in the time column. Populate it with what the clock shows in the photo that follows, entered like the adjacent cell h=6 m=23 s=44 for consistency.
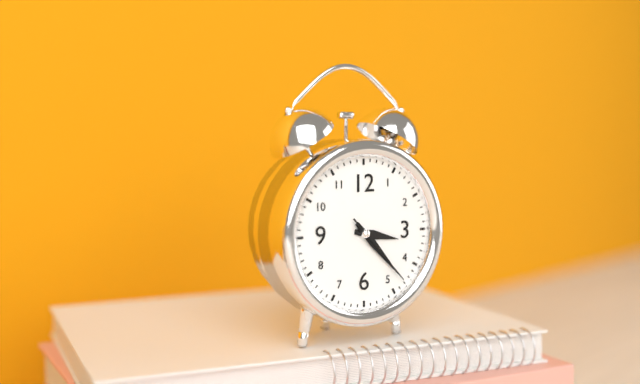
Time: h=3 m=23 s=23
